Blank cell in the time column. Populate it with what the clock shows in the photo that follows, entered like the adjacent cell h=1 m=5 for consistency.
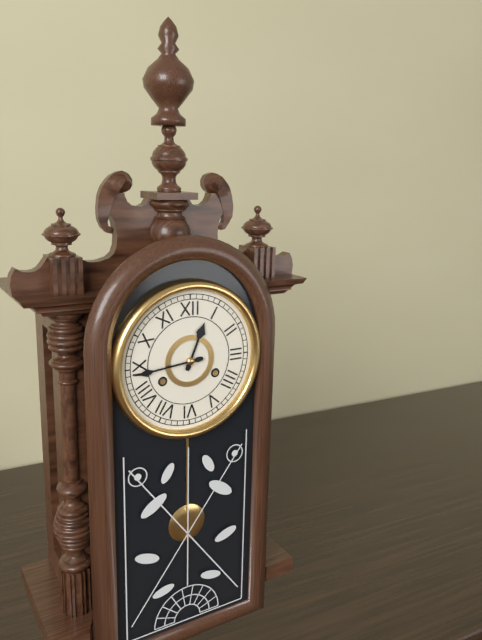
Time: h=12 m=44
